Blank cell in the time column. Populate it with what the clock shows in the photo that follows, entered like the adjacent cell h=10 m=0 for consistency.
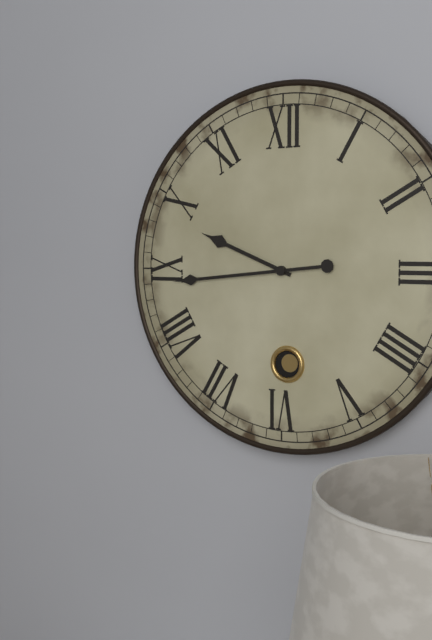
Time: h=9 m=44
